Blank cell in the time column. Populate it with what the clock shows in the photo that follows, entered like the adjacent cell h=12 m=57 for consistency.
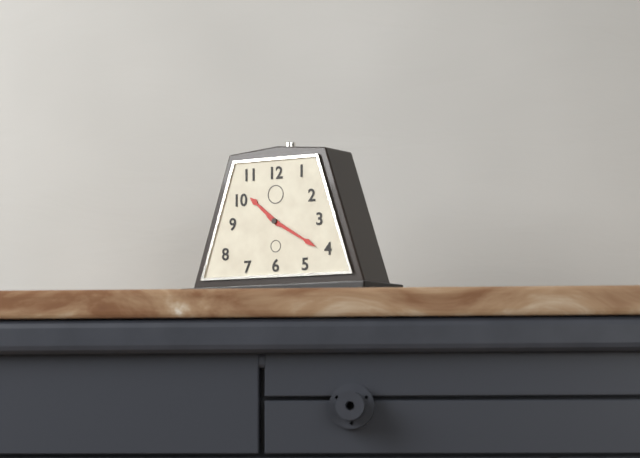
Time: h=10 m=20
